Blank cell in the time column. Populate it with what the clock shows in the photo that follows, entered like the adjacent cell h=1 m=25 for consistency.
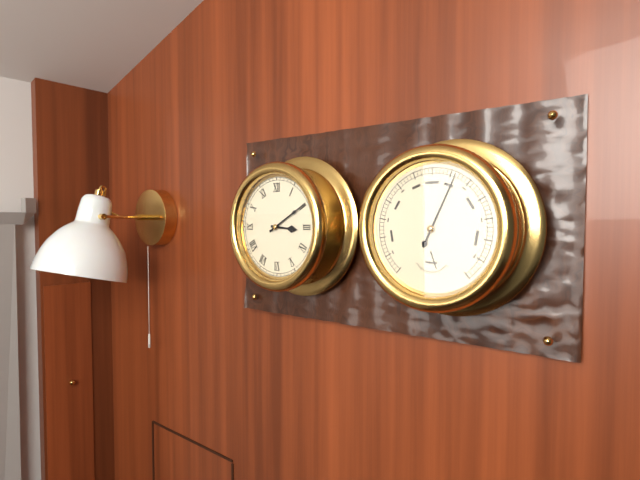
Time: h=3 m=10
